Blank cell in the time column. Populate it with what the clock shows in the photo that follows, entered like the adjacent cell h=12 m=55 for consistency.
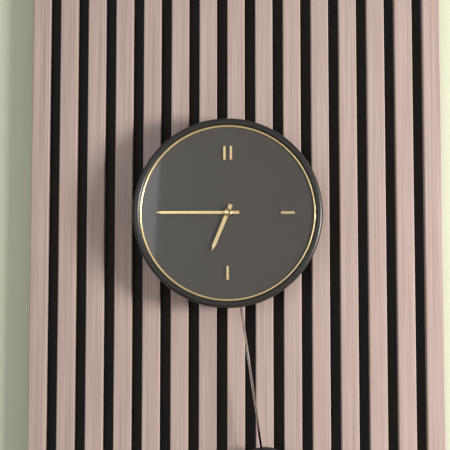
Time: h=6 m=45
